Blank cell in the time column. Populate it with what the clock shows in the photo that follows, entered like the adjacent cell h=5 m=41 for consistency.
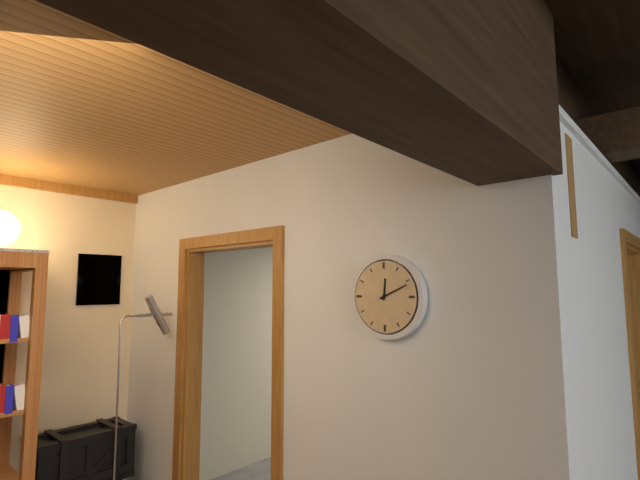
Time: h=12 m=11
